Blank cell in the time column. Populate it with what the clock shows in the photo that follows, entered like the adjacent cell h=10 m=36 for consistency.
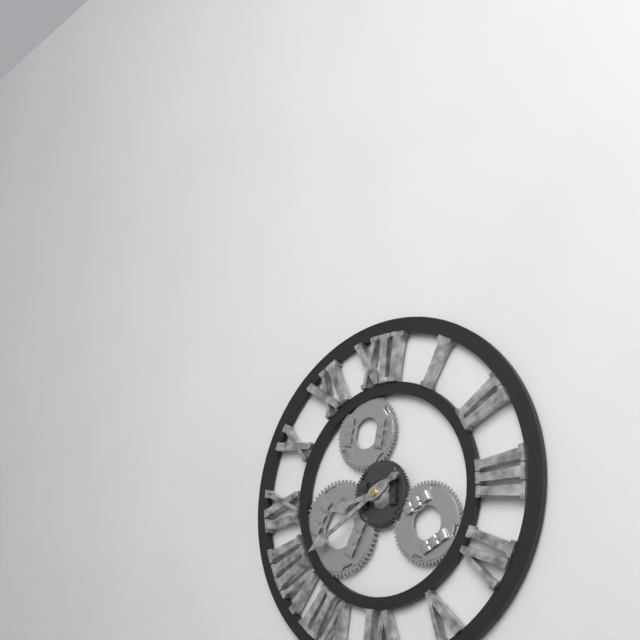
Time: h=8 m=40
